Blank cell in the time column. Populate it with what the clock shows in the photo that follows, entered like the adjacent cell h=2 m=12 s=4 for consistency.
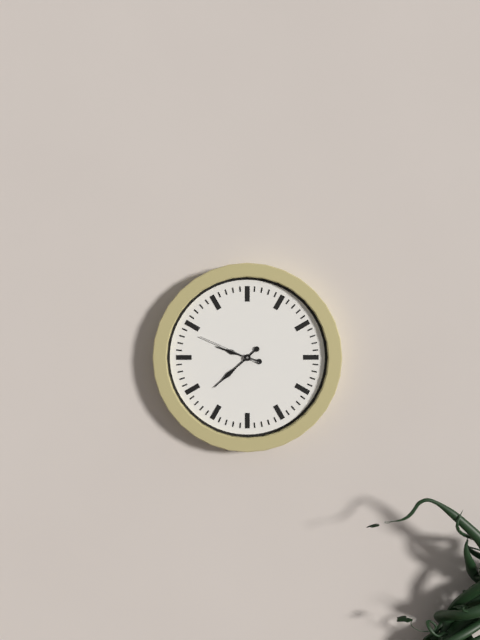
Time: h=9 m=38 s=49
